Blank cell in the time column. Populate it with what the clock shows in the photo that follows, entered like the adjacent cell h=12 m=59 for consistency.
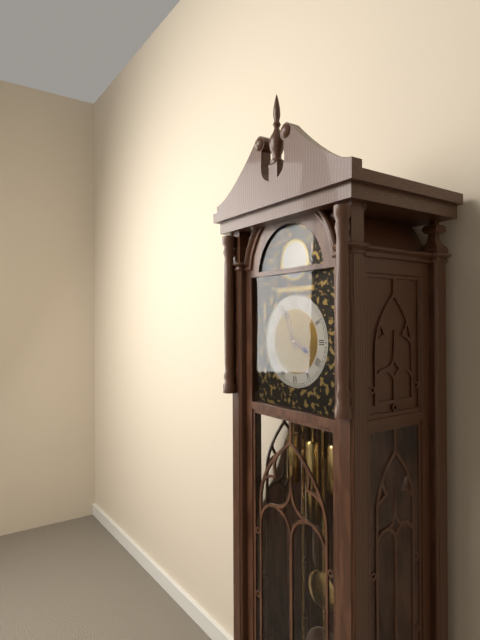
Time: h=3 m=56
